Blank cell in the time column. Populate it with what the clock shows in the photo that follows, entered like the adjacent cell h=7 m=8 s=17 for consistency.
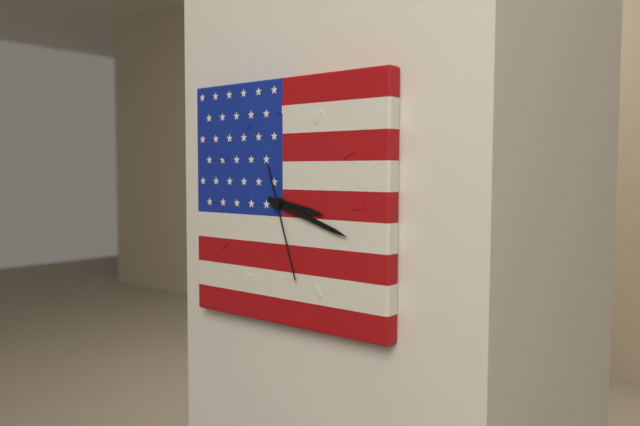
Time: h=3 m=18 s=27
